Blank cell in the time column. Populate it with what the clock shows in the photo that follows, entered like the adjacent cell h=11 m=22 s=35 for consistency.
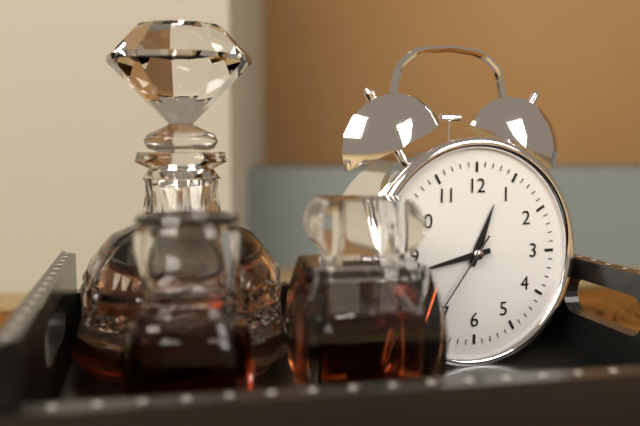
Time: h=12 m=43 s=36
